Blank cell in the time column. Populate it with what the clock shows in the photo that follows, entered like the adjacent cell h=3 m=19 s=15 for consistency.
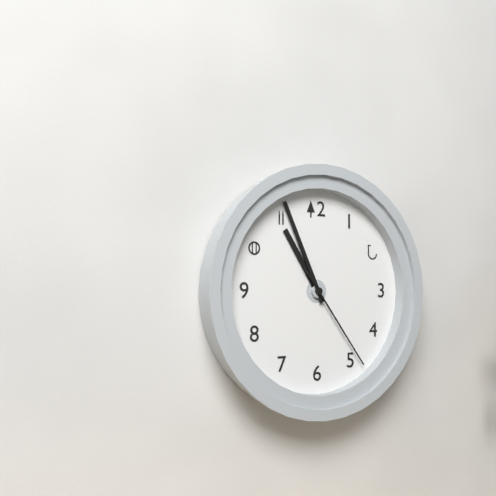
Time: h=10 m=56 s=24
